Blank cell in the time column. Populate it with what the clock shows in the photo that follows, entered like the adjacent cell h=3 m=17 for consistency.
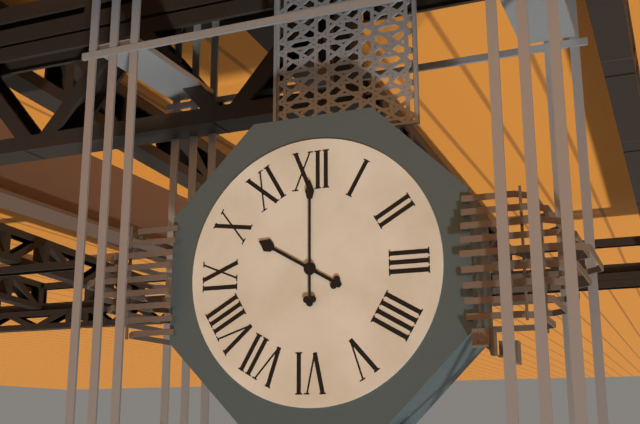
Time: h=10 m=0
